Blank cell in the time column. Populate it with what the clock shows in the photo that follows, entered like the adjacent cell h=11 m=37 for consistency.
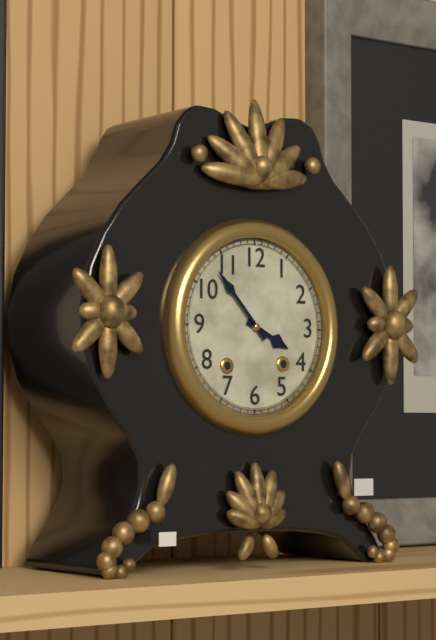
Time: h=3 m=53
